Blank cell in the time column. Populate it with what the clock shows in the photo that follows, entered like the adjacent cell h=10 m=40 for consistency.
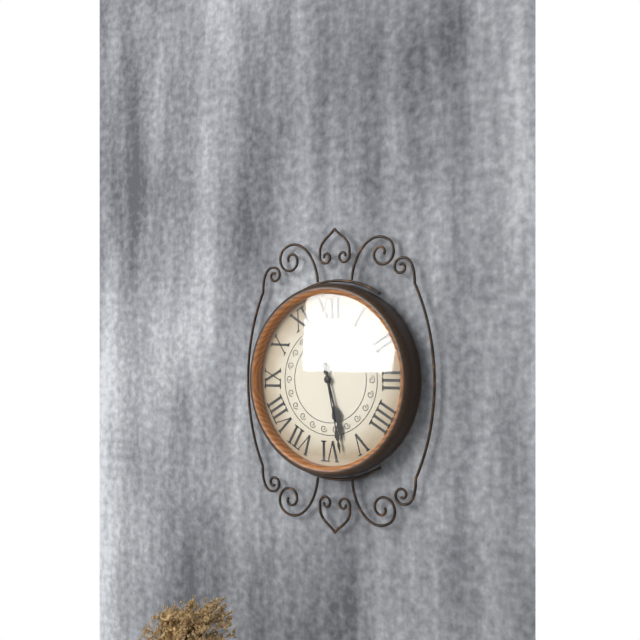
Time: h=5 m=28
